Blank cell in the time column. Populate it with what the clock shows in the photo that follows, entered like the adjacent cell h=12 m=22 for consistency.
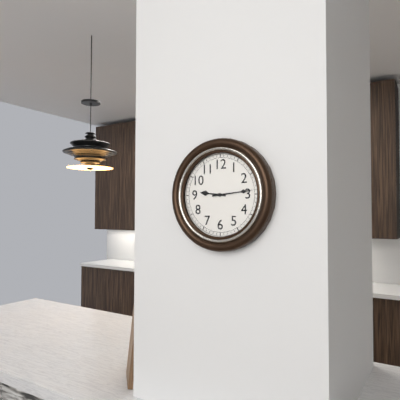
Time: h=9 m=14
